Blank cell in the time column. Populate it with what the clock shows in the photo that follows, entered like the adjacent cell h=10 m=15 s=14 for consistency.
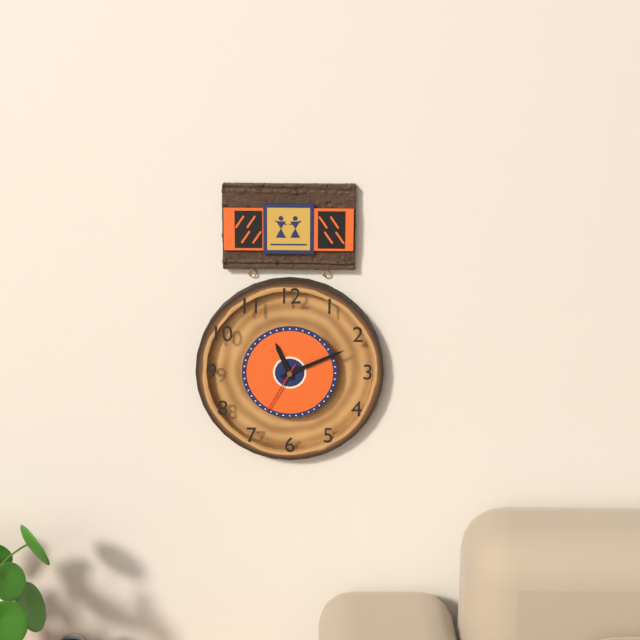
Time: h=11 m=11 s=35
